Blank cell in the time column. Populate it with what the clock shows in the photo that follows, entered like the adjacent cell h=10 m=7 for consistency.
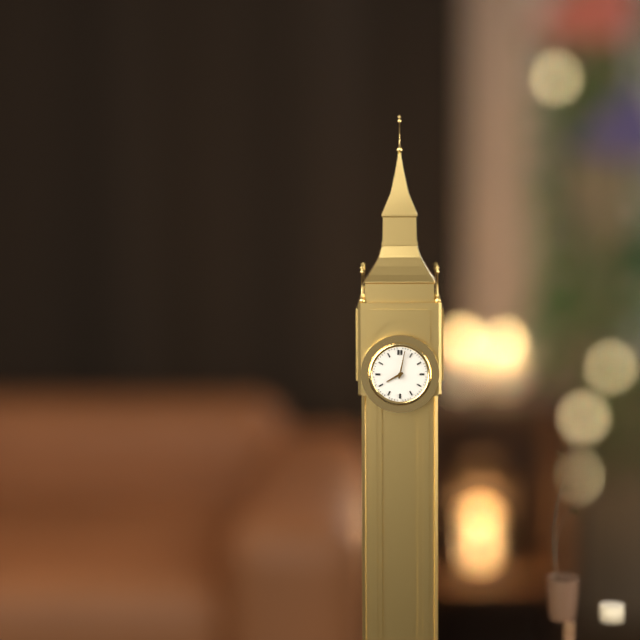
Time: h=8 m=2
